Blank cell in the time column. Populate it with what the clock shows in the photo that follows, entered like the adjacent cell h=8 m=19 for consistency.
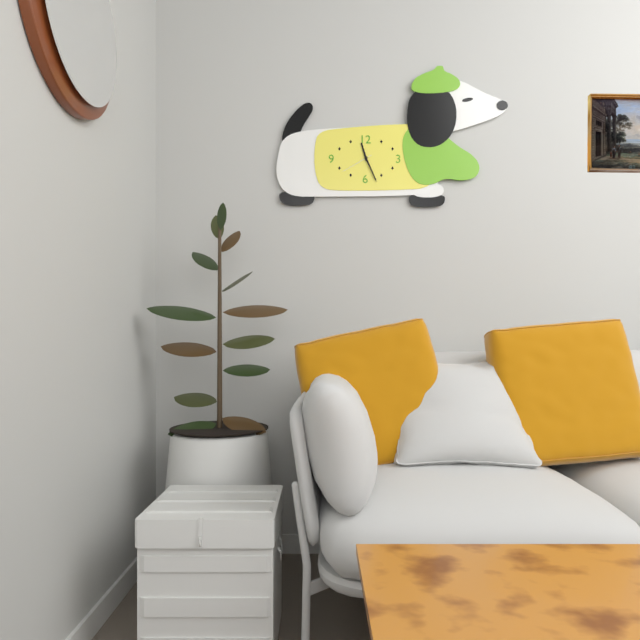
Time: h=11 m=26
